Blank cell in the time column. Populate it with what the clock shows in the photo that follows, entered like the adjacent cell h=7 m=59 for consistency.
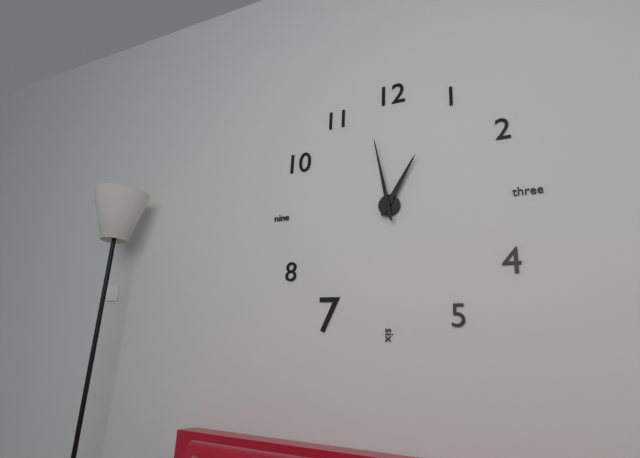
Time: h=12 m=58
